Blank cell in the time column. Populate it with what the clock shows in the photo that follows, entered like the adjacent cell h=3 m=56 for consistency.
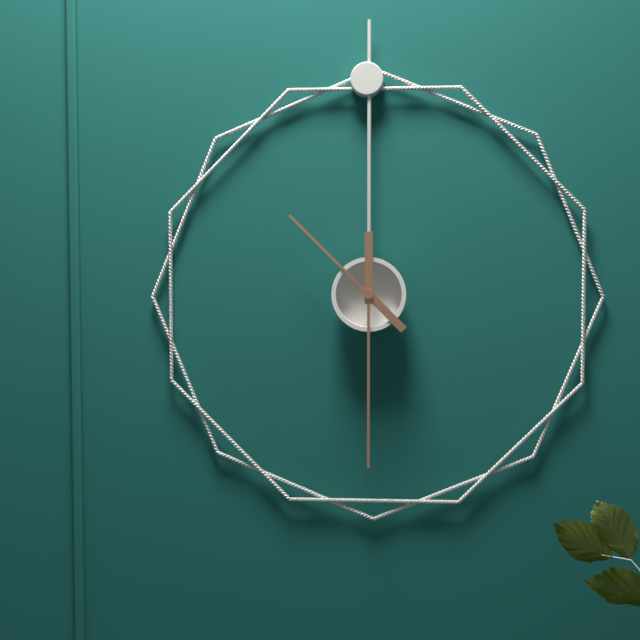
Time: h=10 m=30
